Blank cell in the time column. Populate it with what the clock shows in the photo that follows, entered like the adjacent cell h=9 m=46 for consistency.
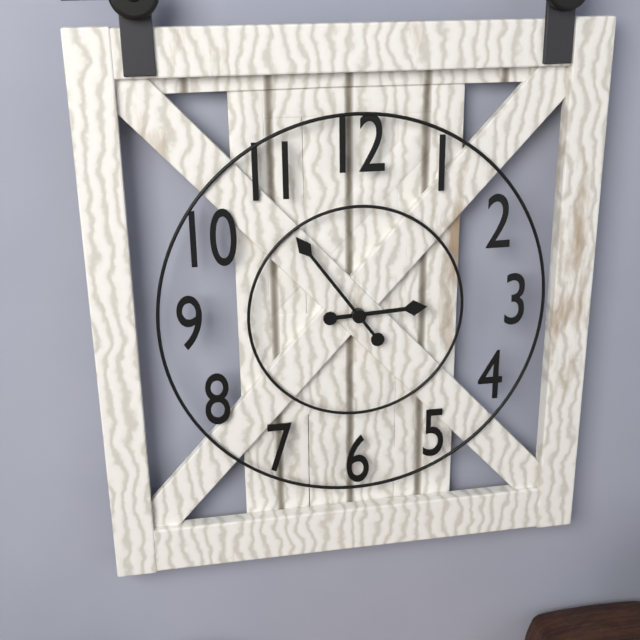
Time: h=2 m=54
